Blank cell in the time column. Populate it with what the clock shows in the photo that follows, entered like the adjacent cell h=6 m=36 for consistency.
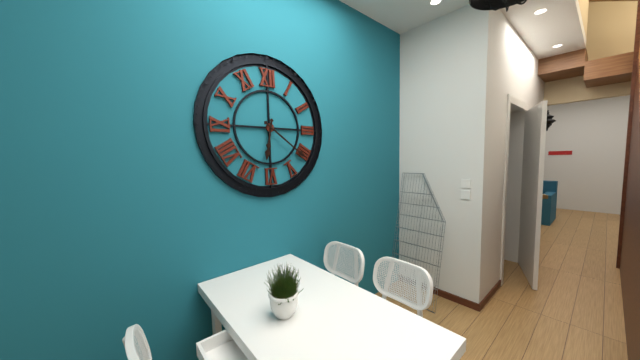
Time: h=6 m=21
